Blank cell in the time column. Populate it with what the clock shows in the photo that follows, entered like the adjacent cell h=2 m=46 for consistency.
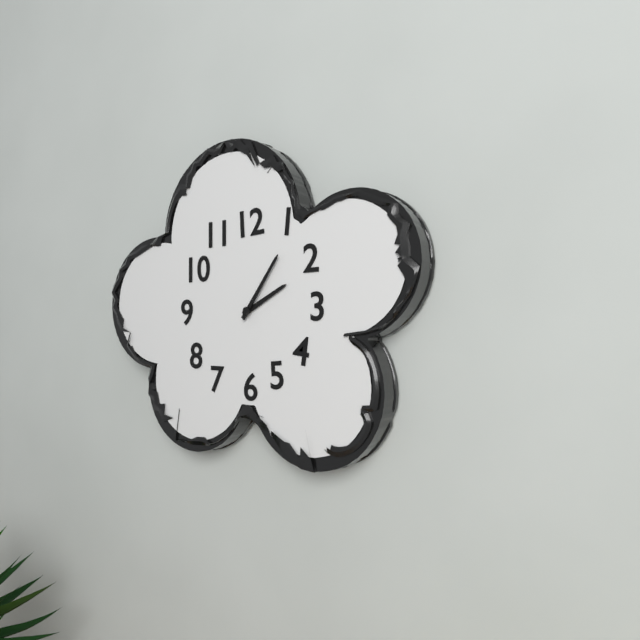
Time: h=2 m=6
